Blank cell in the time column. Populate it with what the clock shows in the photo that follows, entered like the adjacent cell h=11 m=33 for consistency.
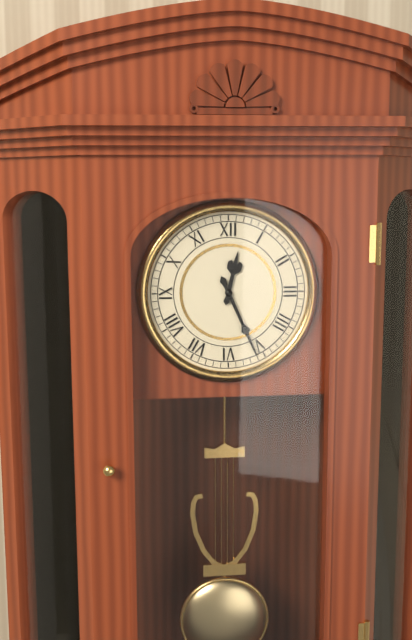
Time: h=12 m=26
